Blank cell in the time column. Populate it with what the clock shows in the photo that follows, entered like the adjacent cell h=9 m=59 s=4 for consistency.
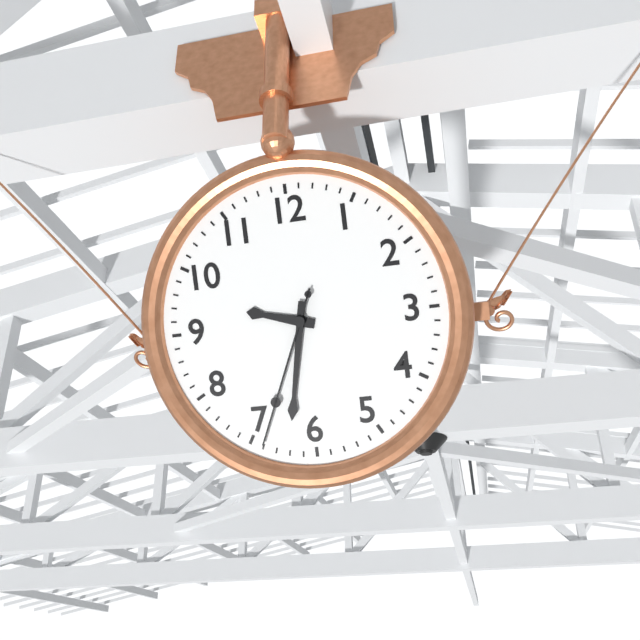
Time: h=9 m=32 s=34
